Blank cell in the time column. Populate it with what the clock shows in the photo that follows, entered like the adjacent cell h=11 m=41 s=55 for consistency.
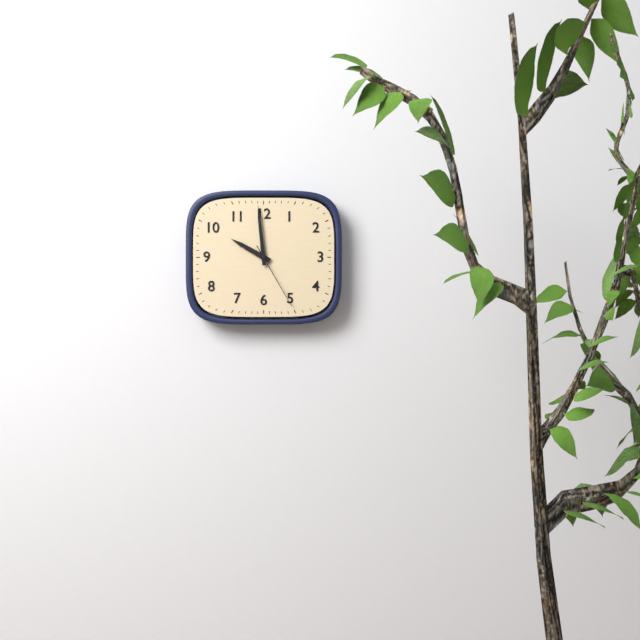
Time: h=9 m=59 s=25
